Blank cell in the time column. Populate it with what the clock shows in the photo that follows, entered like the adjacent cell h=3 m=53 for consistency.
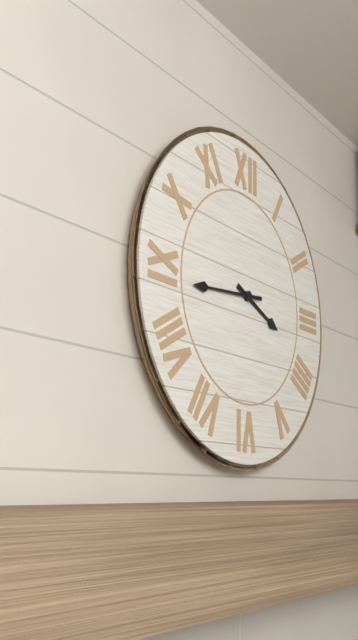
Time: h=3 m=44
